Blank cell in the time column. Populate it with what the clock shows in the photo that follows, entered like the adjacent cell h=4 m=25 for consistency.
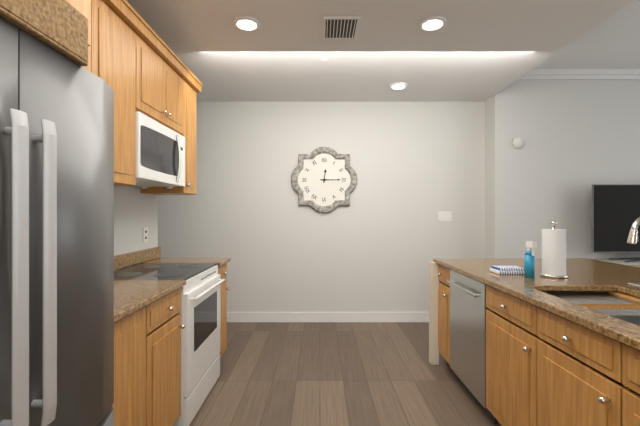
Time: h=12 m=15
